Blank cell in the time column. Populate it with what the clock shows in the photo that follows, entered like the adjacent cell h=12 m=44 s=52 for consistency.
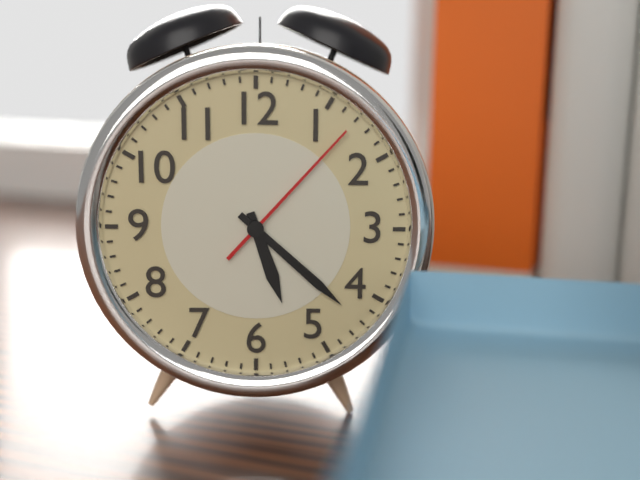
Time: h=5 m=22 s=7
